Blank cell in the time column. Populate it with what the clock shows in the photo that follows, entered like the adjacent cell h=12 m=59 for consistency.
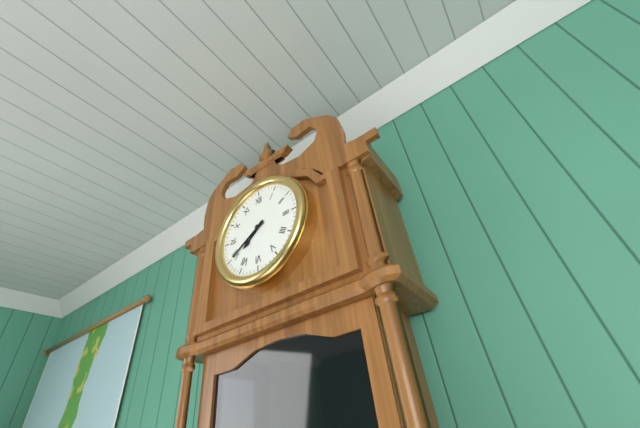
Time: h=7 m=40
